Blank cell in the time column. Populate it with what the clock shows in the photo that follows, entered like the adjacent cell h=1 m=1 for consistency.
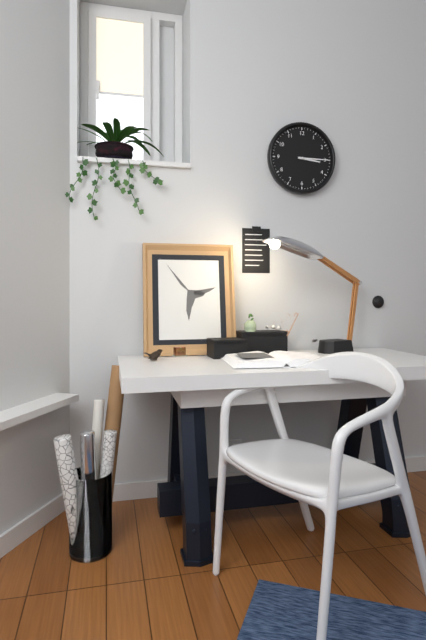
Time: h=3 m=15
